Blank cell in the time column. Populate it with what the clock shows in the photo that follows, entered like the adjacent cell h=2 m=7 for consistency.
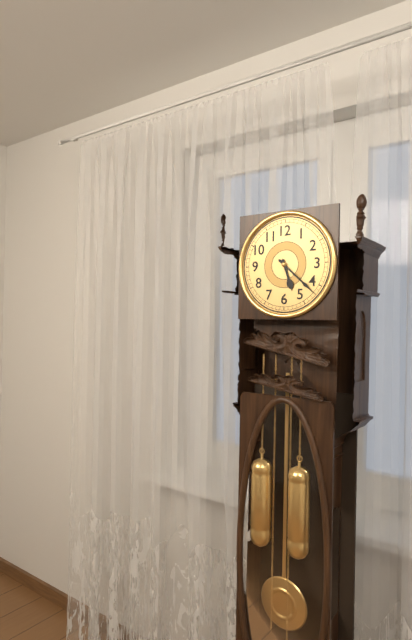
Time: h=5 m=22
